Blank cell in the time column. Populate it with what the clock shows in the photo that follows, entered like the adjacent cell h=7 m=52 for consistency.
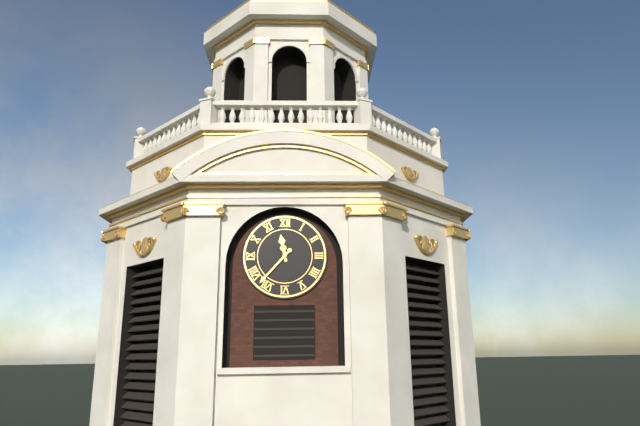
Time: h=11 m=37
